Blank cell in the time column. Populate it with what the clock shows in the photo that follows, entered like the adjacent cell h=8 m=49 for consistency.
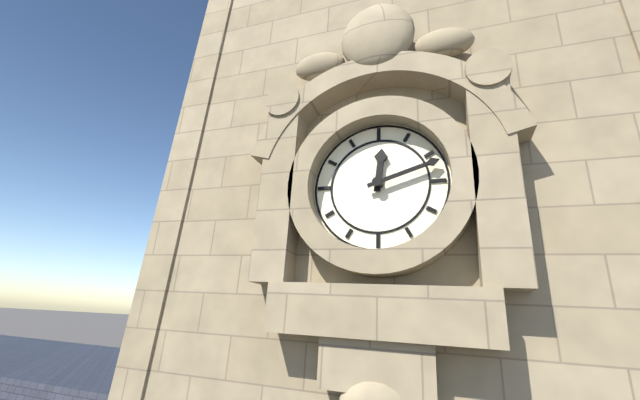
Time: h=12 m=12
